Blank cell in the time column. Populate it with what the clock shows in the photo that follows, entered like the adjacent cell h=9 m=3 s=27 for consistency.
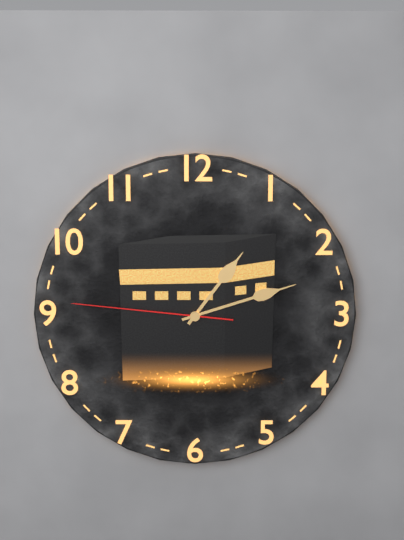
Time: h=1 m=12 s=46
